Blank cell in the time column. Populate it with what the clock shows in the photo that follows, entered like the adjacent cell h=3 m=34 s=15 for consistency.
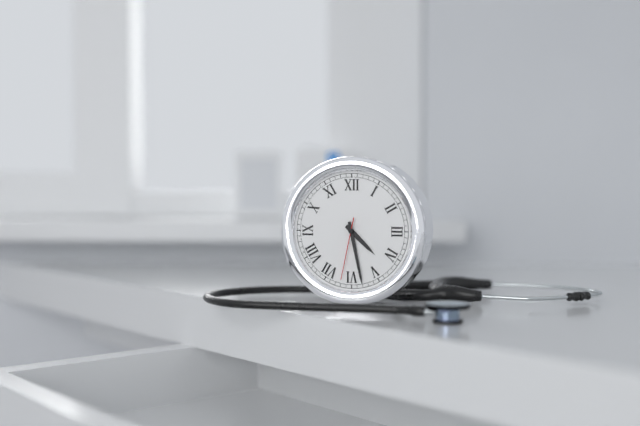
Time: h=4 m=28 s=32
